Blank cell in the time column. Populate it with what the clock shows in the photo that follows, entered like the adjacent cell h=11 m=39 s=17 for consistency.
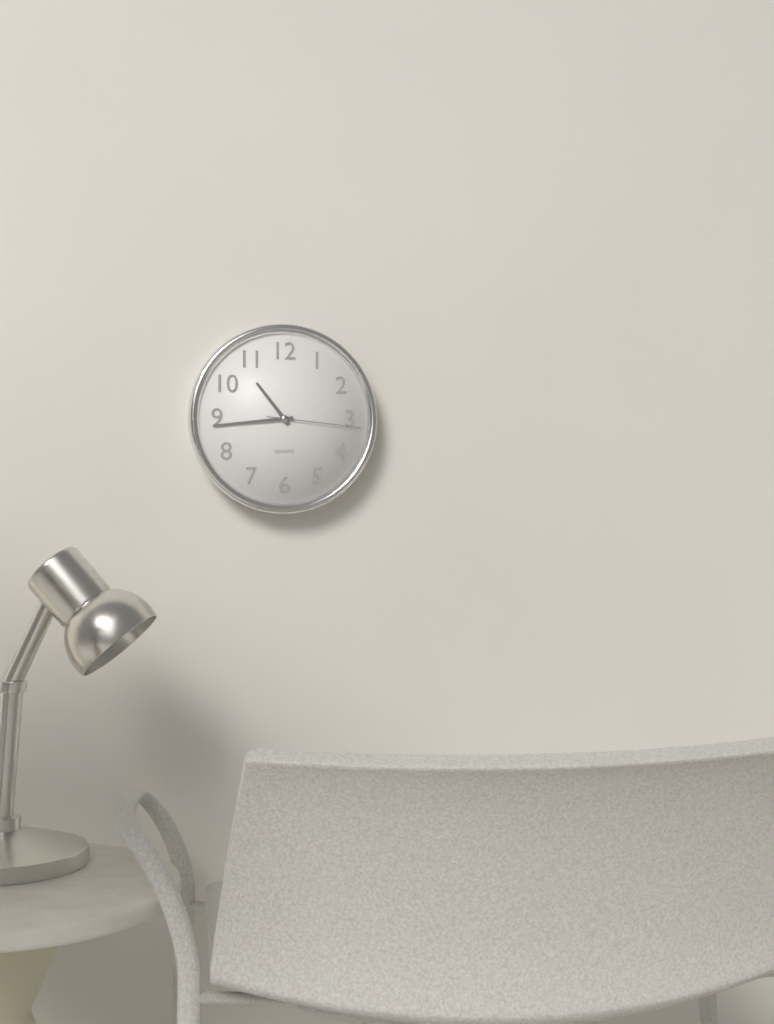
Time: h=10 m=44 s=16
